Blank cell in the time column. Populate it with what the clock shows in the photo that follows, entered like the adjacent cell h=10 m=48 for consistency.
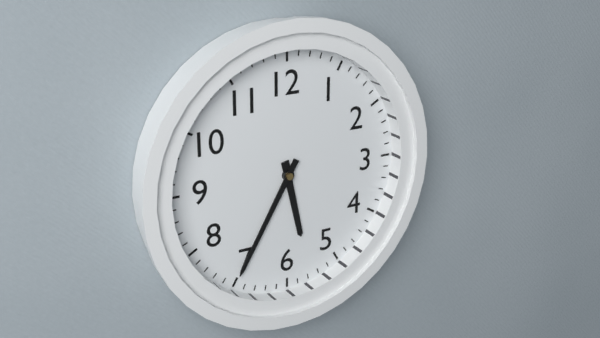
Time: h=5 m=35
